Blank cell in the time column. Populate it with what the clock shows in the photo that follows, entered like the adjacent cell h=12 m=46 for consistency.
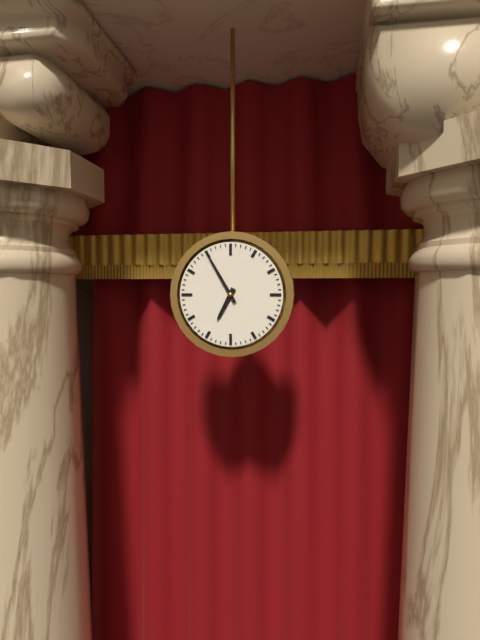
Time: h=6 m=55
